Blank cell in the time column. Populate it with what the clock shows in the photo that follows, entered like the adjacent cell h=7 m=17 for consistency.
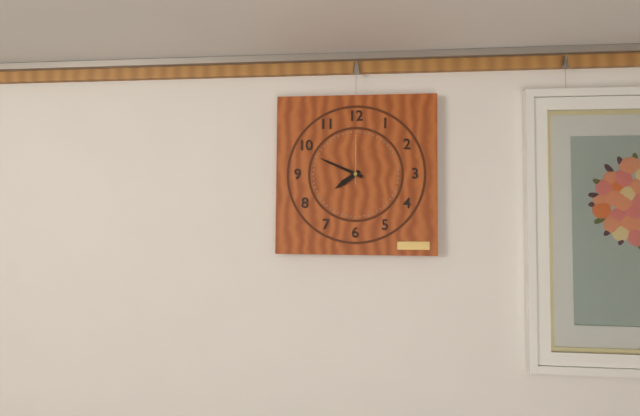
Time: h=7 m=49
